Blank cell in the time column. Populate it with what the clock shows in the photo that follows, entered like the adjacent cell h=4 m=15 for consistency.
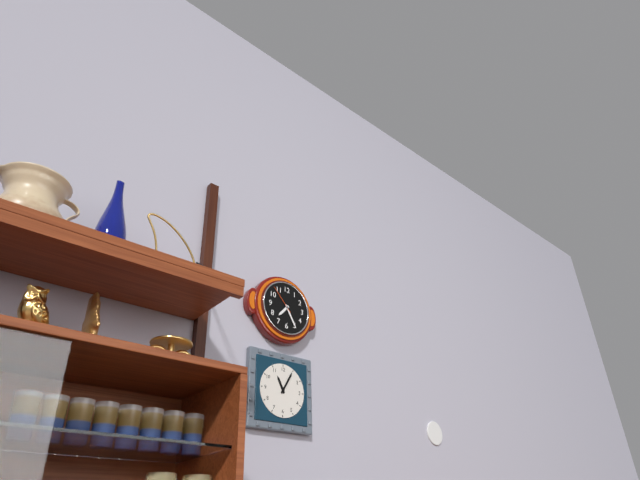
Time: h=7 m=25
